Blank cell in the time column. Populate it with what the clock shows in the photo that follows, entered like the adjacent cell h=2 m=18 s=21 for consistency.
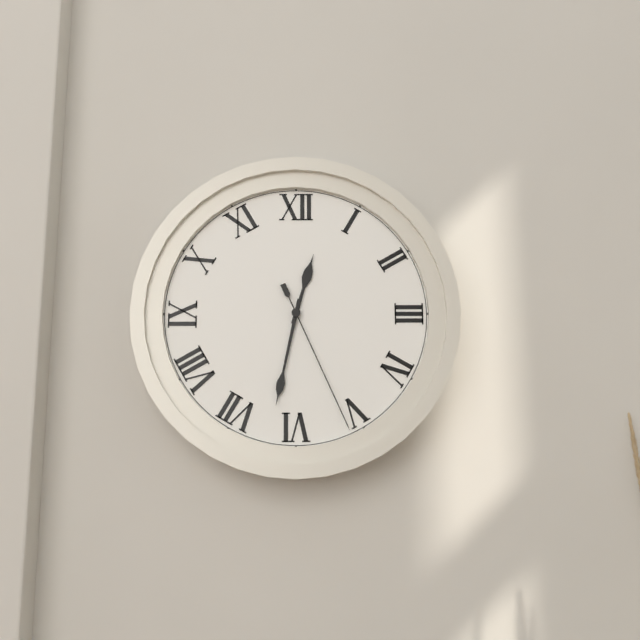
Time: h=12 m=32 s=26
